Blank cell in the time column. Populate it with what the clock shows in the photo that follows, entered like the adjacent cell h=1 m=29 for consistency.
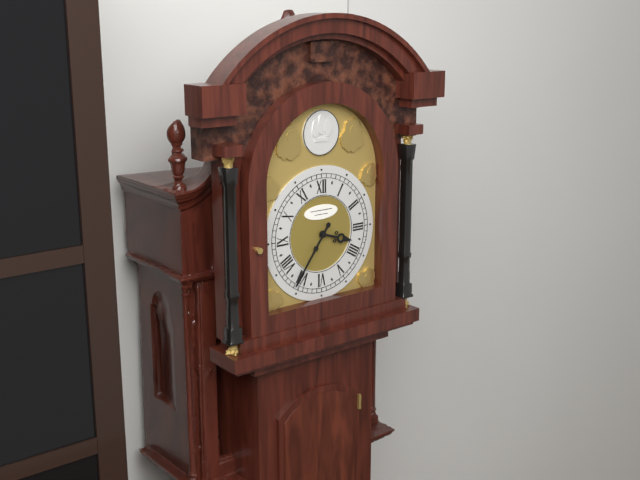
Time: h=3 m=36
